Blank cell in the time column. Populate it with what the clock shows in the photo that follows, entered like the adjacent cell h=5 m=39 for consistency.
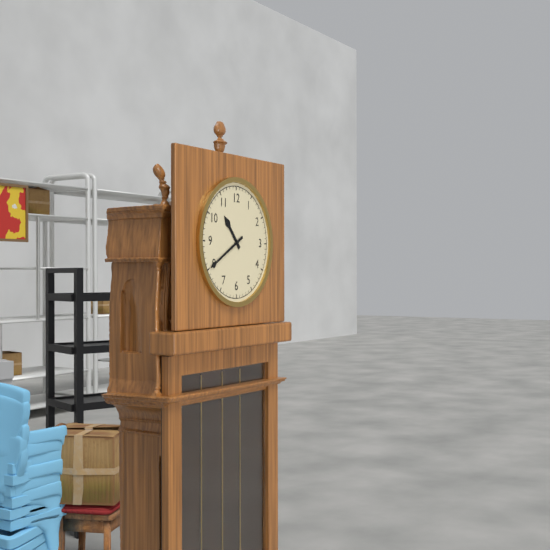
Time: h=10 m=40
